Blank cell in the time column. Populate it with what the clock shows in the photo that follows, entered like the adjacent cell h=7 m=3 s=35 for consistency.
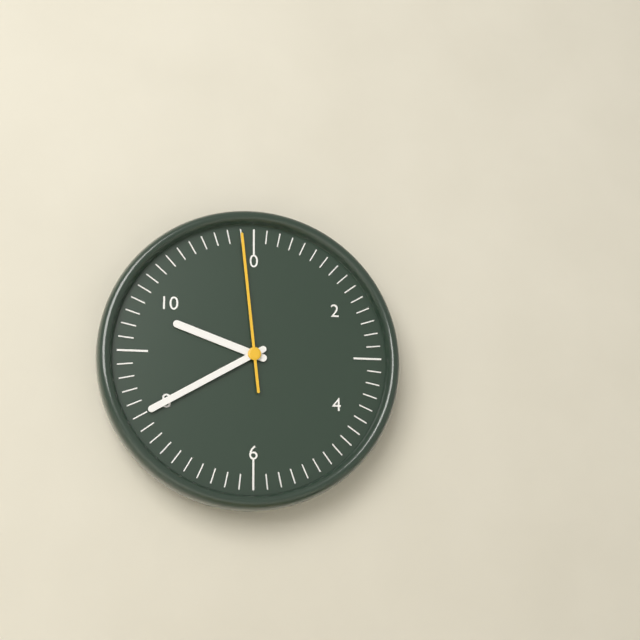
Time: h=9 m=40 s=59
